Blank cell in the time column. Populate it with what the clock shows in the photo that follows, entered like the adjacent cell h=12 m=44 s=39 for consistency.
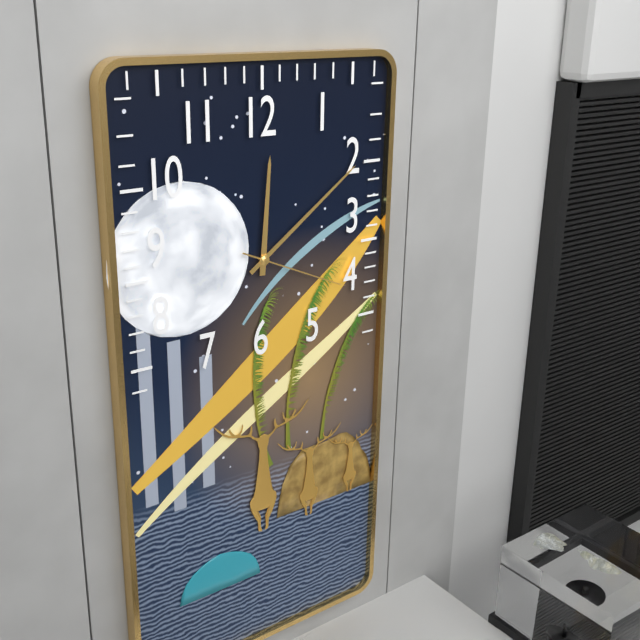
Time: h=12 m=9 s=19
